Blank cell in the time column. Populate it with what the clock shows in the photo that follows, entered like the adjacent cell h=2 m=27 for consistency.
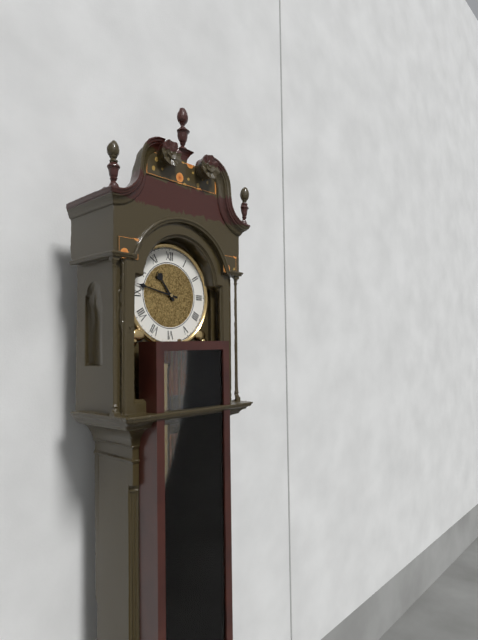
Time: h=10 m=47
